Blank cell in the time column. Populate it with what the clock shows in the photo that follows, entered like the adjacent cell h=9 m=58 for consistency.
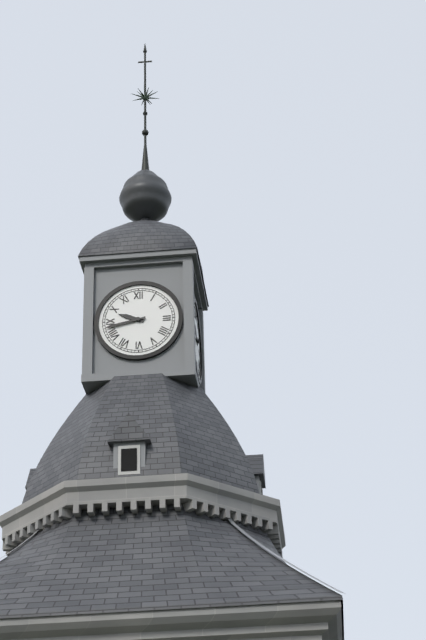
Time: h=9 m=43
